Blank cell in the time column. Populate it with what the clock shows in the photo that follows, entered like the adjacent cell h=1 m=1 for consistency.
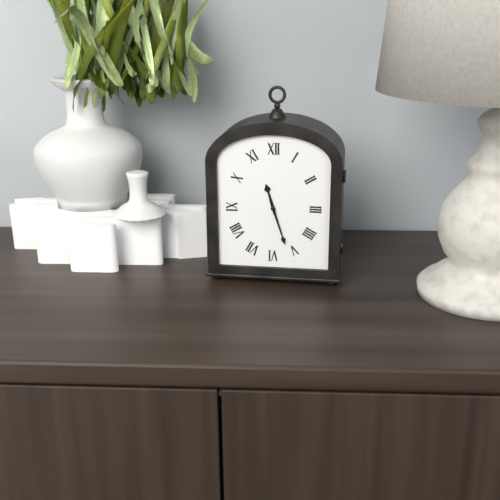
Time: h=11 m=27
